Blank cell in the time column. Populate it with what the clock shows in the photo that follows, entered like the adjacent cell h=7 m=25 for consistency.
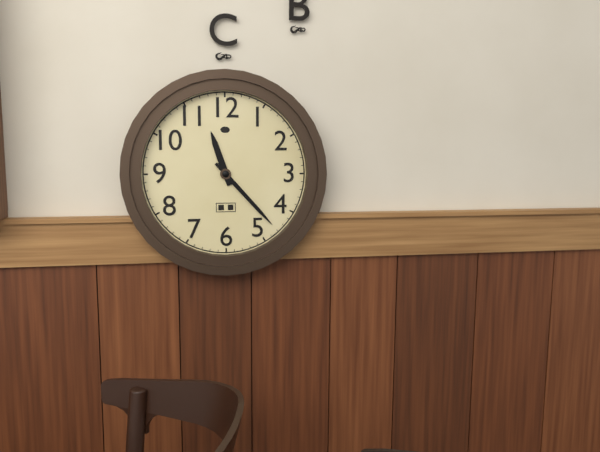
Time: h=11 m=23
